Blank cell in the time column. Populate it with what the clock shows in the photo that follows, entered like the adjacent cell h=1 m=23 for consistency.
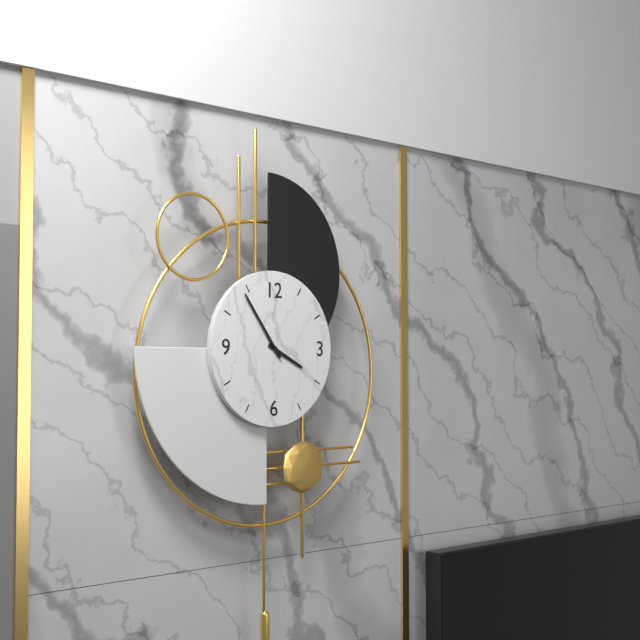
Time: h=3 m=54
